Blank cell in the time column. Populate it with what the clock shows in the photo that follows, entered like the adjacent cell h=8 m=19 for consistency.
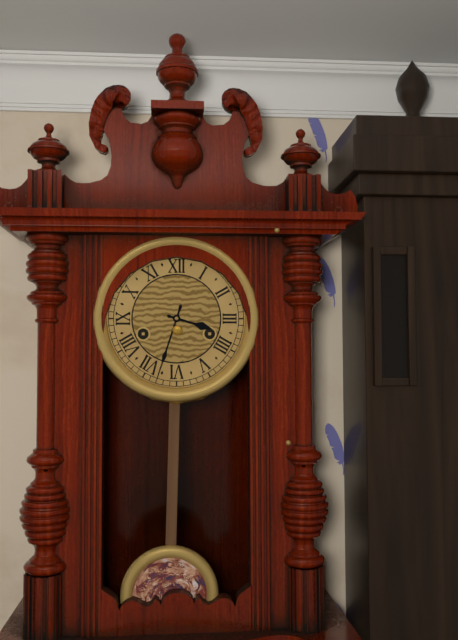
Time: h=3 m=33
